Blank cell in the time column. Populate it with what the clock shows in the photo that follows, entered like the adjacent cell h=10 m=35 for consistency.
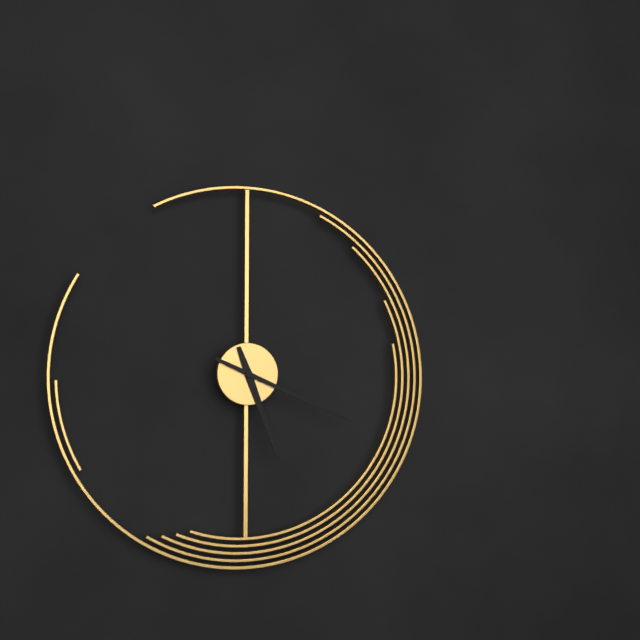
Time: h=5 m=19
